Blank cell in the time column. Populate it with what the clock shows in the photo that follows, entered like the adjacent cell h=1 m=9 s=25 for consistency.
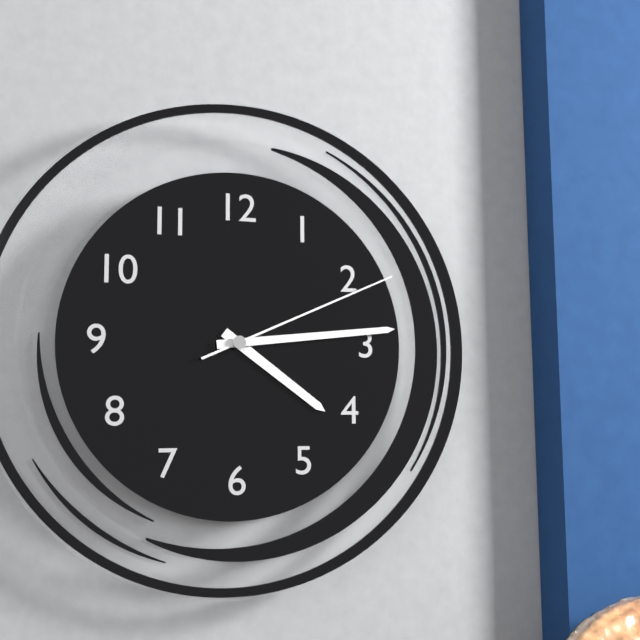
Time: h=4 m=14 s=11
